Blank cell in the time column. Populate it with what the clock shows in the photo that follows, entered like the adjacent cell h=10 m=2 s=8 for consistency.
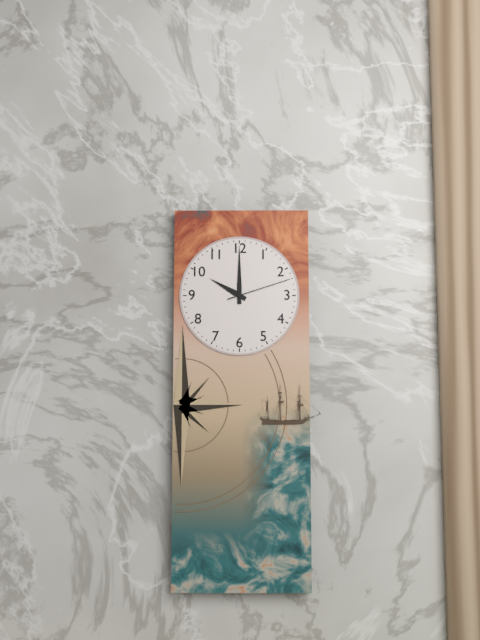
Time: h=10 m=0 s=12
